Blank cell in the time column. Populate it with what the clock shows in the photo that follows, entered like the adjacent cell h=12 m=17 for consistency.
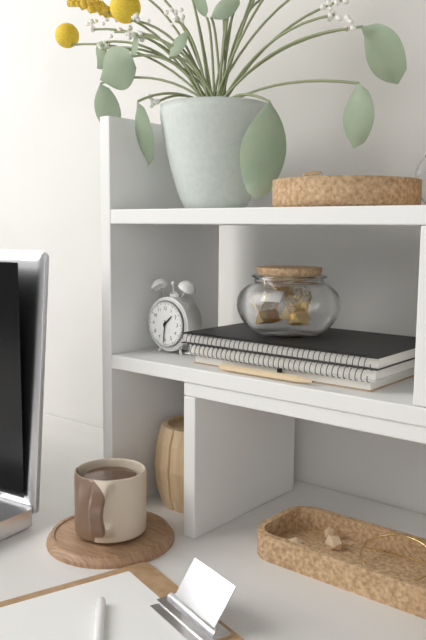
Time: h=1 m=31
